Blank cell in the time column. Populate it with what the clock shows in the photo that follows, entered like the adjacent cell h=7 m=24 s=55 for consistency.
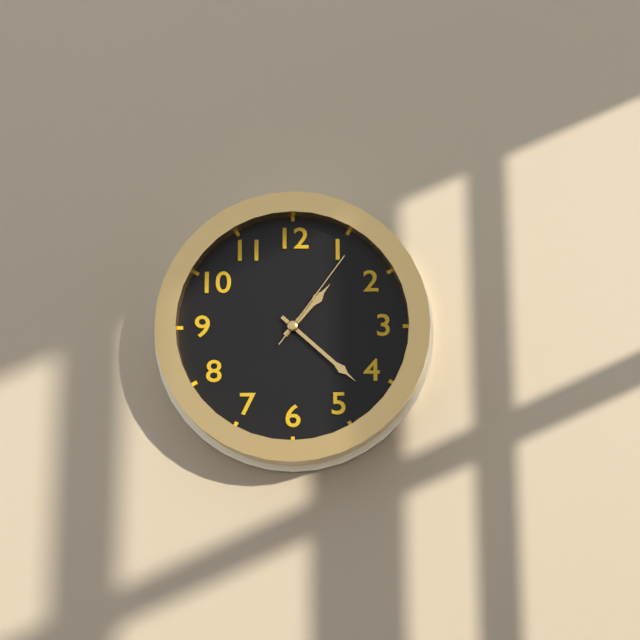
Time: h=1 m=22 s=6
